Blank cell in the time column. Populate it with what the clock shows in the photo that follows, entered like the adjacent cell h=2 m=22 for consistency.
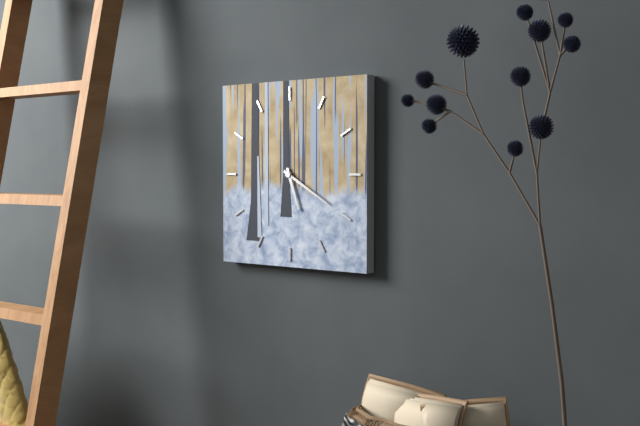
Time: h=5 m=20
